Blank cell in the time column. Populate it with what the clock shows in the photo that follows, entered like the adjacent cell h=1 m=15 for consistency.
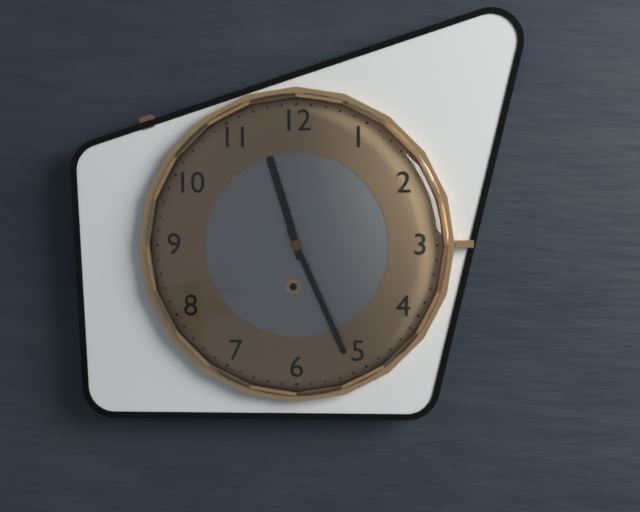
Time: h=11 m=26
